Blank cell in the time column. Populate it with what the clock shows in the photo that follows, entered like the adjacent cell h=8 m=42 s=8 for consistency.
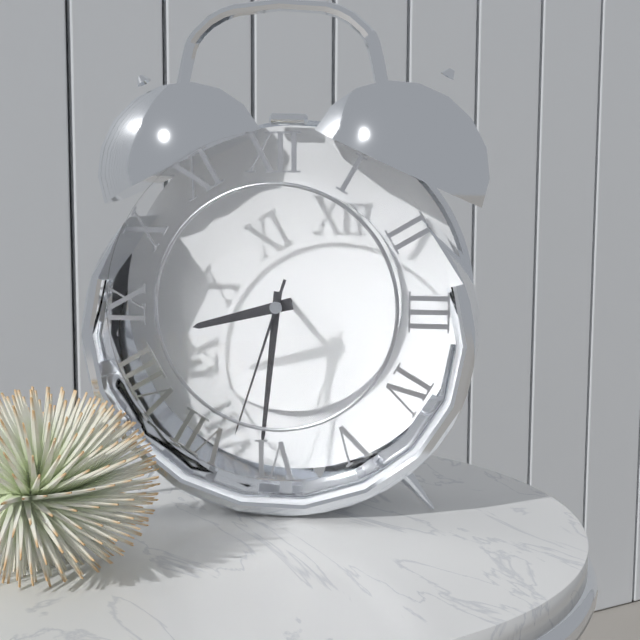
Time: h=8 m=31 s=33
